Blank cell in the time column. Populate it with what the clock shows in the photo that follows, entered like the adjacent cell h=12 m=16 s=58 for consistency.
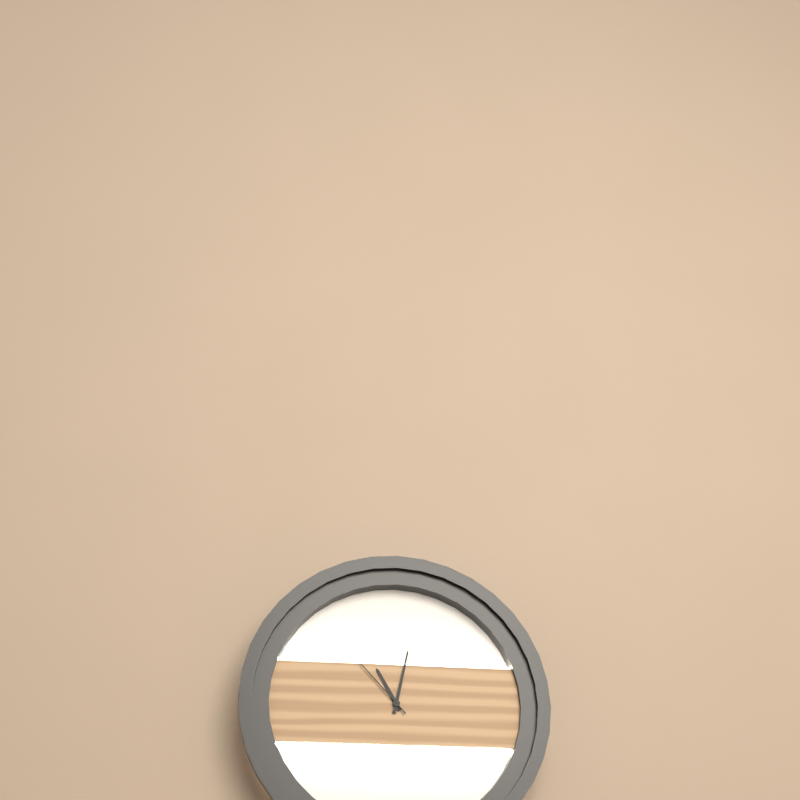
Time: h=11 m=2 s=53
